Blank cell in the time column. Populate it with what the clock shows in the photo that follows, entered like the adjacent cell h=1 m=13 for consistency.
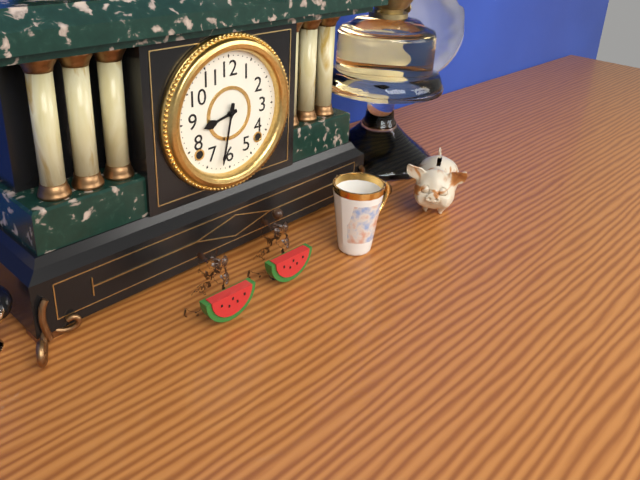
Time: h=8 m=32
